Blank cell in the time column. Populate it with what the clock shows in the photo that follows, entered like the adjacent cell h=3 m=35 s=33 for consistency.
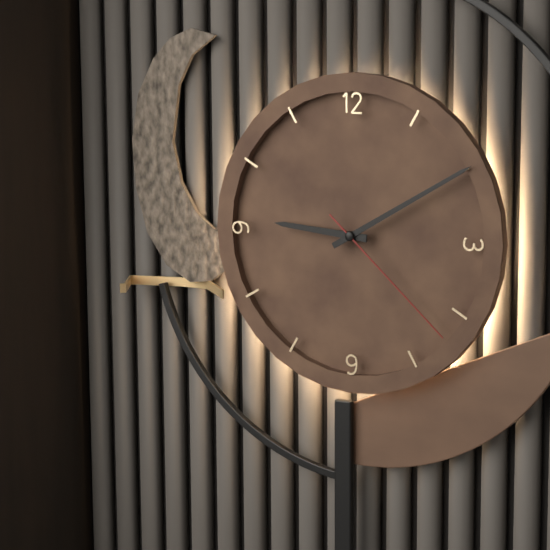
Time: h=9 m=10 s=22
